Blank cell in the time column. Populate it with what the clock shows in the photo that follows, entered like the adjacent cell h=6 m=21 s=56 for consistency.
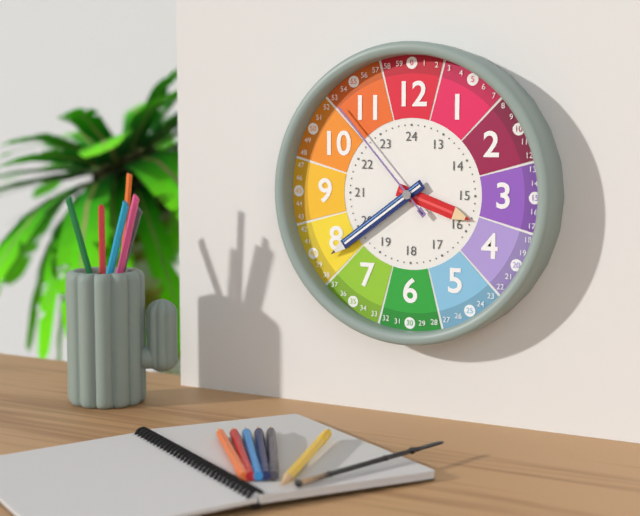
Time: h=3 m=39 s=53
